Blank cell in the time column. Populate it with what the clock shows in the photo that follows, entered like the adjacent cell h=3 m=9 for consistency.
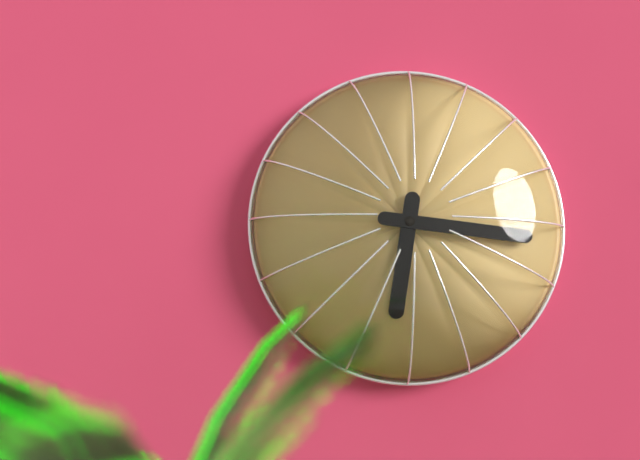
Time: h=6 m=16
